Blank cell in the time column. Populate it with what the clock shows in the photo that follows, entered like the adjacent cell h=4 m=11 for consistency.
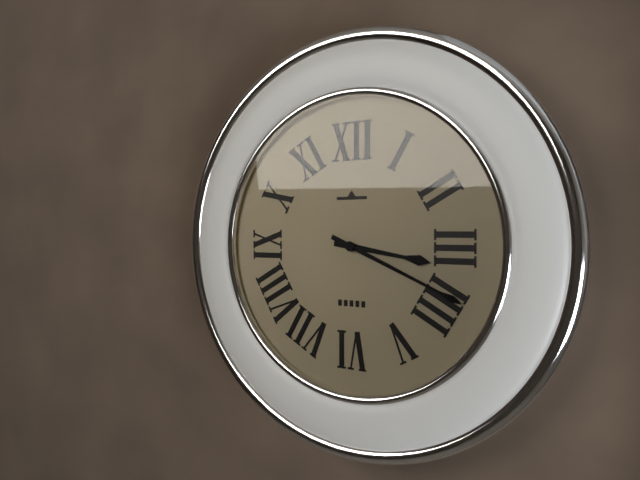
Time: h=3 m=19
